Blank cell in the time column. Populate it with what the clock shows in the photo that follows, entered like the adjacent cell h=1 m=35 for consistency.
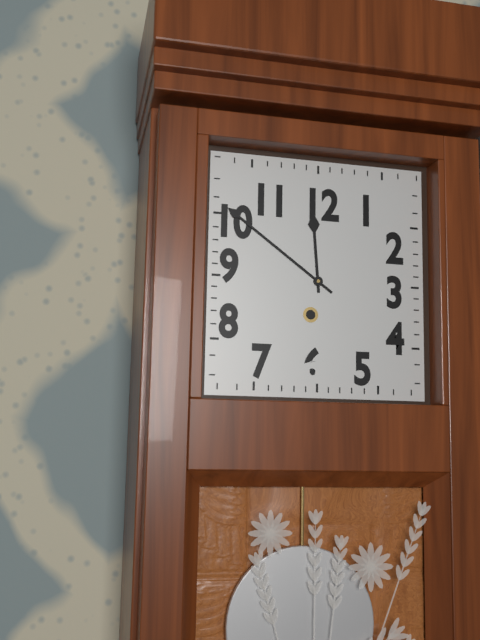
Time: h=11 m=51
